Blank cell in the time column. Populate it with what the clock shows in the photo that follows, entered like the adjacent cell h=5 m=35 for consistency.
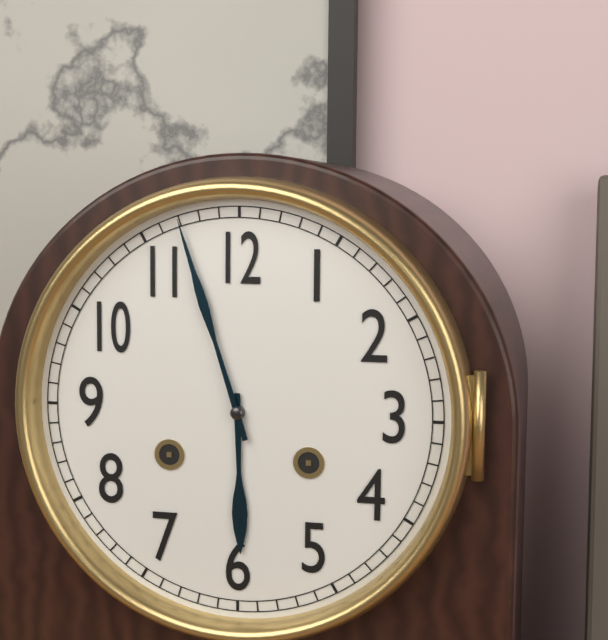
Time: h=5 m=57
